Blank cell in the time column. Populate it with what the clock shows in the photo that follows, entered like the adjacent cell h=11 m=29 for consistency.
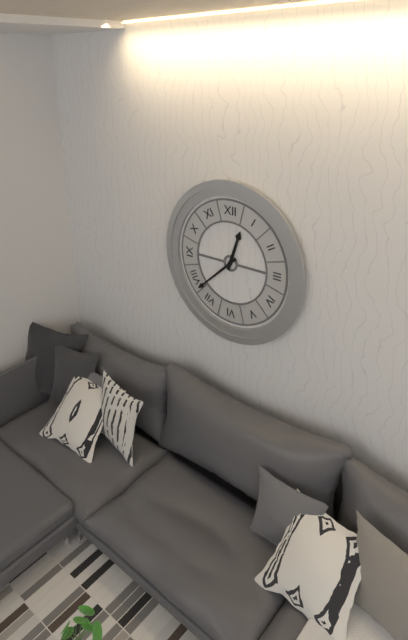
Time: h=12 m=38
